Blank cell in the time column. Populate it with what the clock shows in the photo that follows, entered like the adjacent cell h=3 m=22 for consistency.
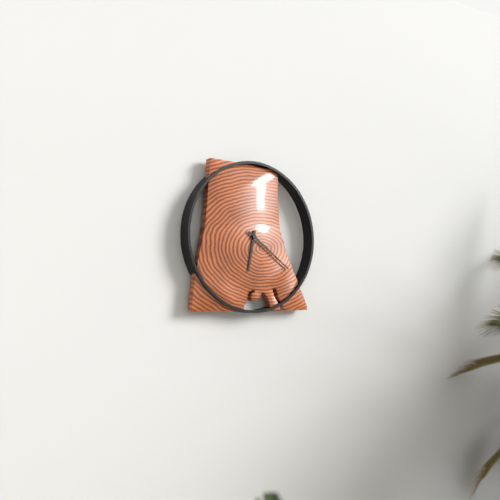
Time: h=6 m=21
